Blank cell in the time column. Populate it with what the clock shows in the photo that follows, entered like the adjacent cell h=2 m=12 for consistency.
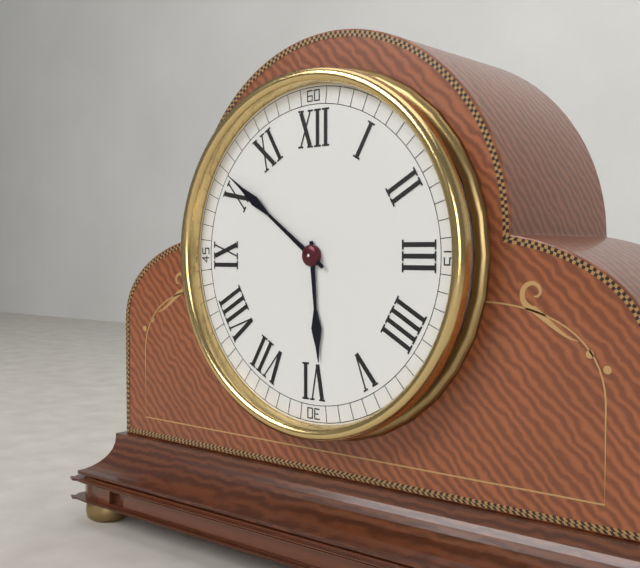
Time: h=5 m=51
